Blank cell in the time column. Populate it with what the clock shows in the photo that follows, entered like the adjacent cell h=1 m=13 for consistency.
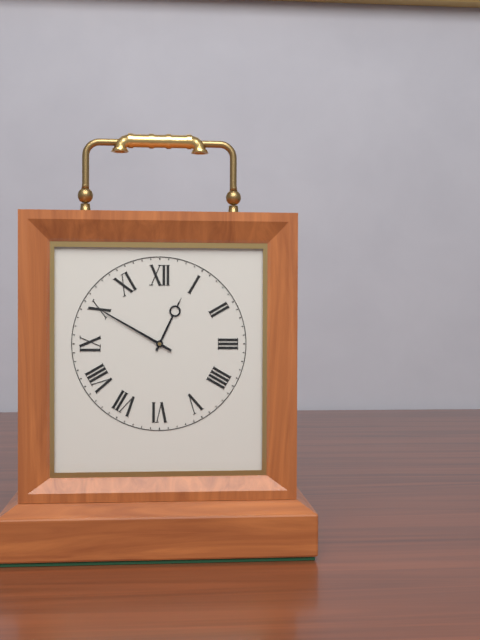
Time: h=12 m=50
